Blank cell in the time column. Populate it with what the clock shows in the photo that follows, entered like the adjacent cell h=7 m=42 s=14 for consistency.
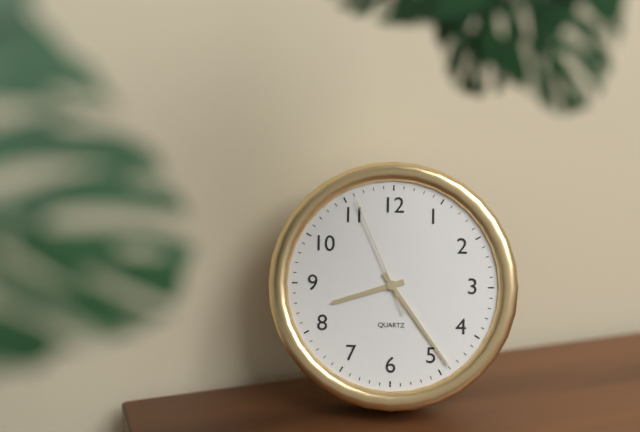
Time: h=8 m=24 s=56
